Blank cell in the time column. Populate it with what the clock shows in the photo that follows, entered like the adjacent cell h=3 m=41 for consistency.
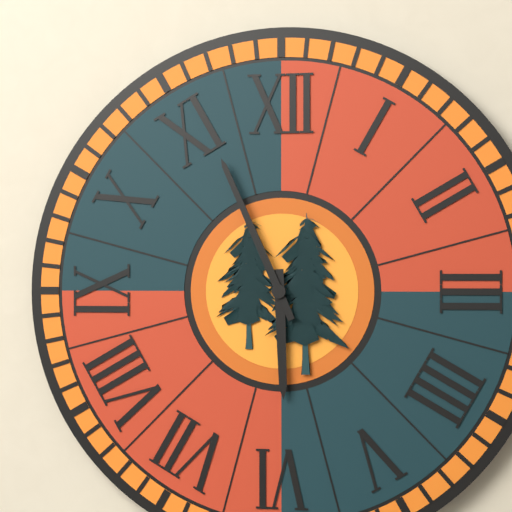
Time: h=5 m=56
